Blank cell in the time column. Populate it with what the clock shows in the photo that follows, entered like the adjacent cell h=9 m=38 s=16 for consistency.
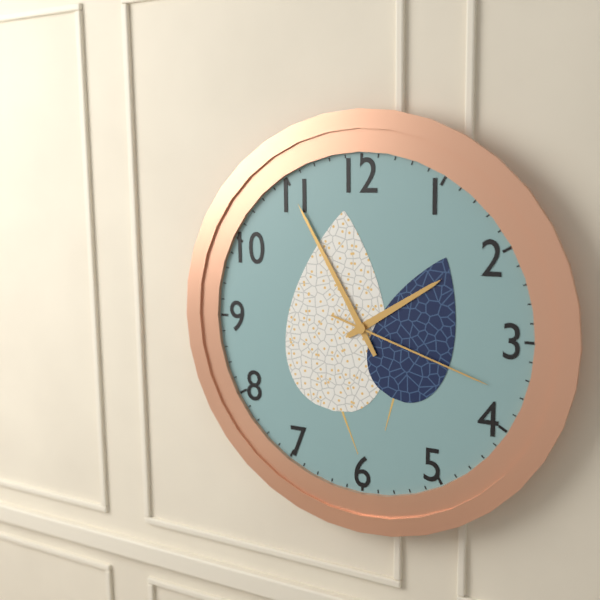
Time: h=1 m=55 s=18
